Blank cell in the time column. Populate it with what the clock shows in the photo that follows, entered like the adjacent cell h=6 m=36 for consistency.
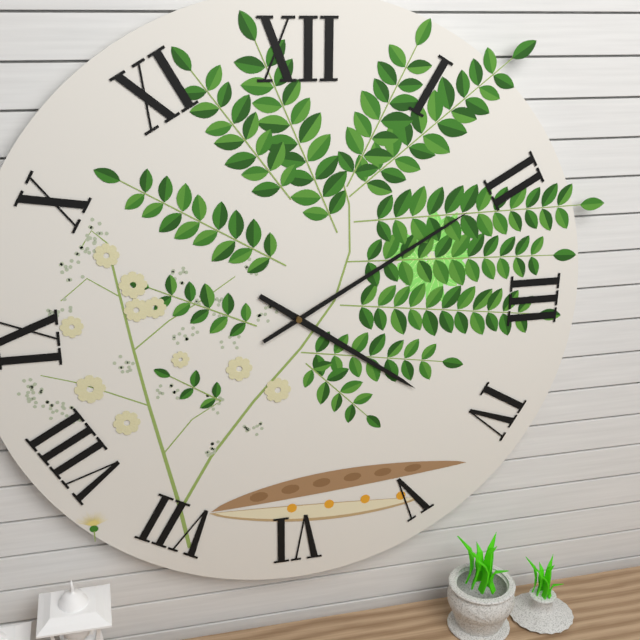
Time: h=4 m=10
